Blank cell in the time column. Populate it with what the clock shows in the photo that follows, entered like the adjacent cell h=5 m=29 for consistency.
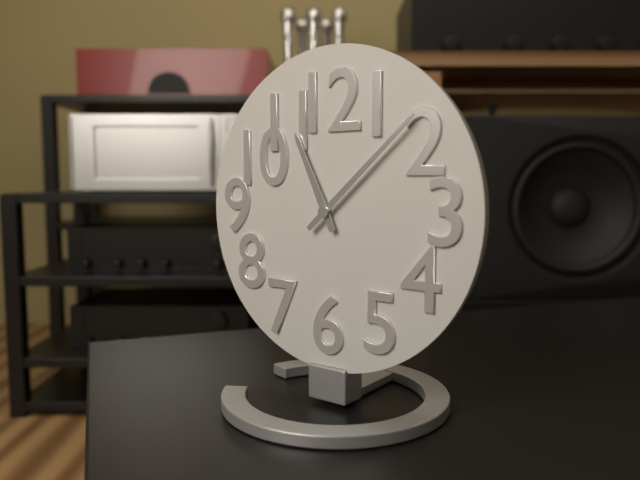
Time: h=11 m=8
